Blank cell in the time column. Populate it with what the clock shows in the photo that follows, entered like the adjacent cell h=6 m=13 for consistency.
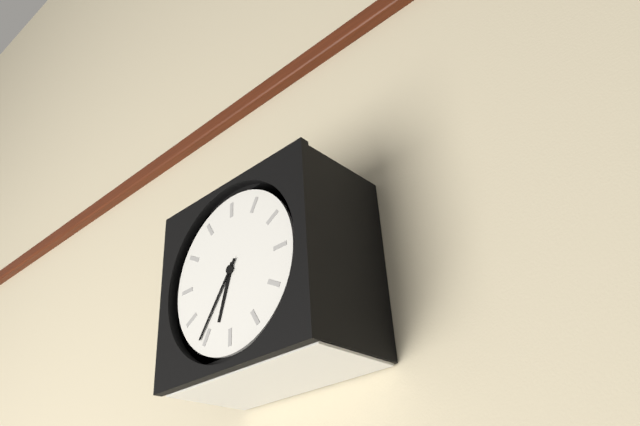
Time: h=6 m=36
